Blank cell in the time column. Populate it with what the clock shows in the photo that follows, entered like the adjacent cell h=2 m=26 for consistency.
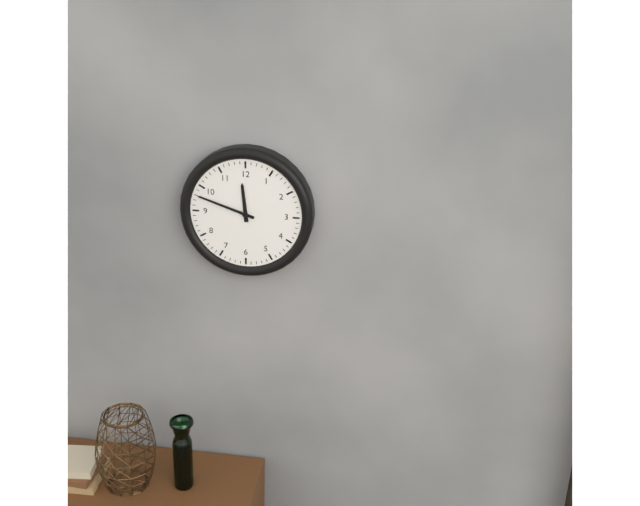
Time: h=11 m=48
